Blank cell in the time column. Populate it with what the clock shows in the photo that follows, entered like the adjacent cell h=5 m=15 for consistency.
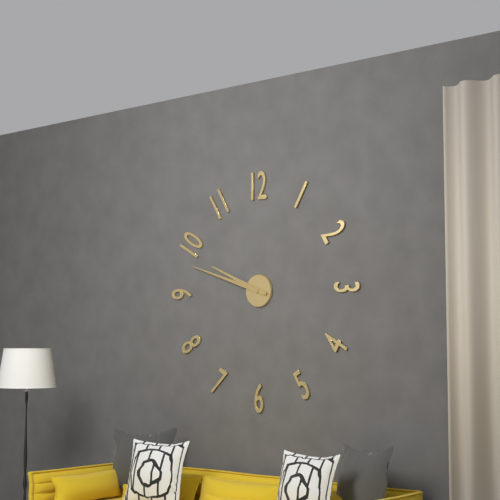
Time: h=9 m=48
